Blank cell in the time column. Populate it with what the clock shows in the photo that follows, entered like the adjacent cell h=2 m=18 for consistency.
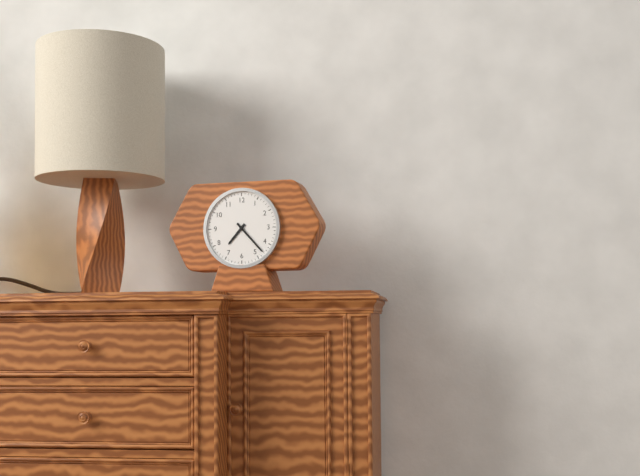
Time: h=7 m=23
